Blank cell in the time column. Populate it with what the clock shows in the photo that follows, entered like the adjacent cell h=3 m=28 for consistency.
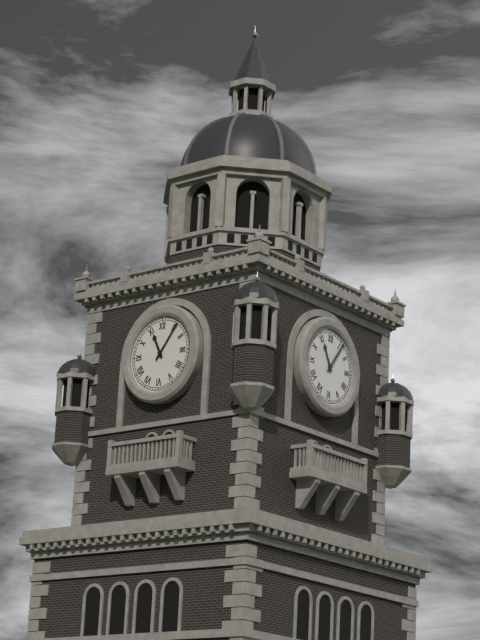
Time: h=11 m=6
